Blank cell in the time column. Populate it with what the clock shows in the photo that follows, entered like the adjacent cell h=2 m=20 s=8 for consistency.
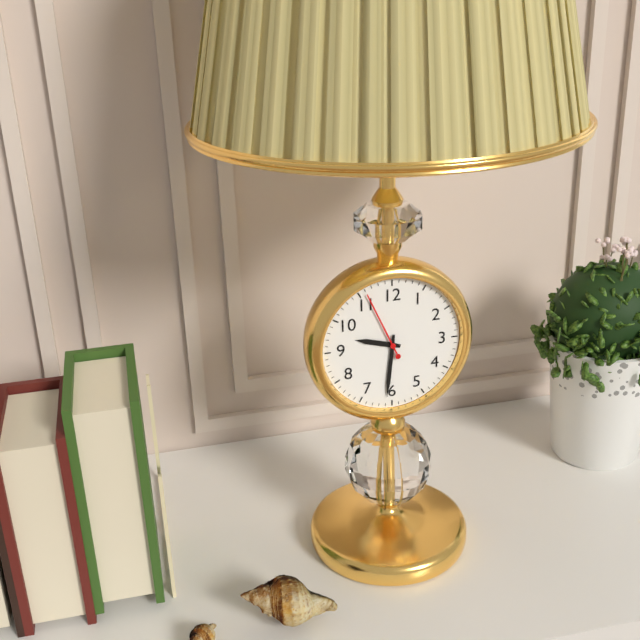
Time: h=9 m=31 s=56
